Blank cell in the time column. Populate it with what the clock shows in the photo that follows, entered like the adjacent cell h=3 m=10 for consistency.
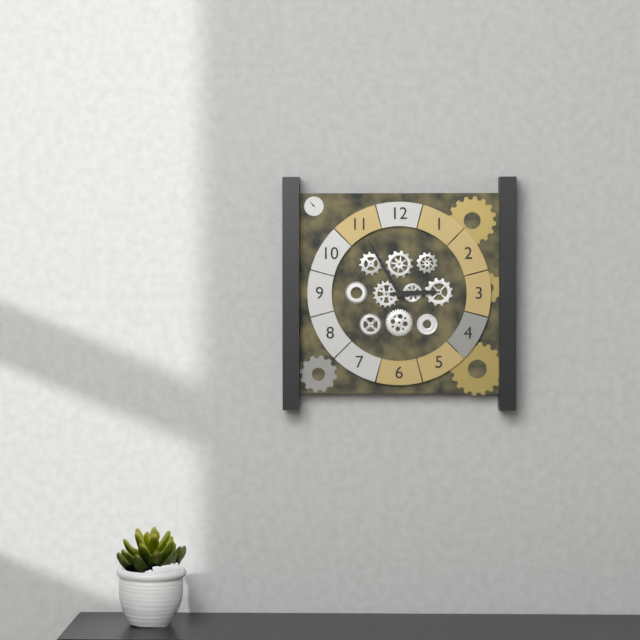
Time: h=2 m=55
